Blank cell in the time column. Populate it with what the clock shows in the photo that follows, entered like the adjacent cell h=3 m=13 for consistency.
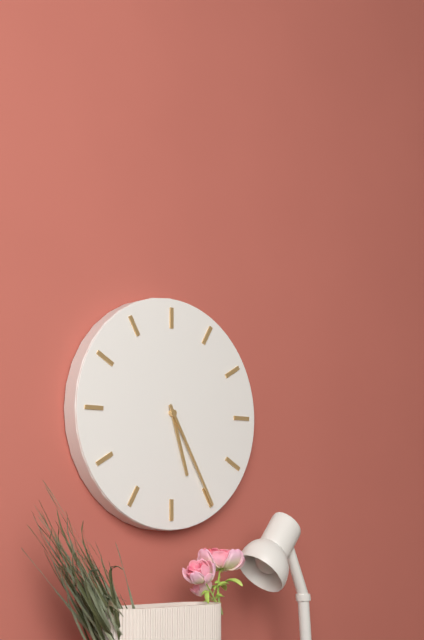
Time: h=5 m=25
